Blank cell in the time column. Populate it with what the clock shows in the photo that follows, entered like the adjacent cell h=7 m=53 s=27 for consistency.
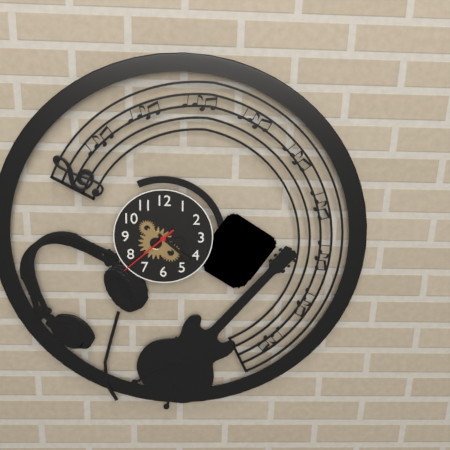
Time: h=3 m=22 s=38
